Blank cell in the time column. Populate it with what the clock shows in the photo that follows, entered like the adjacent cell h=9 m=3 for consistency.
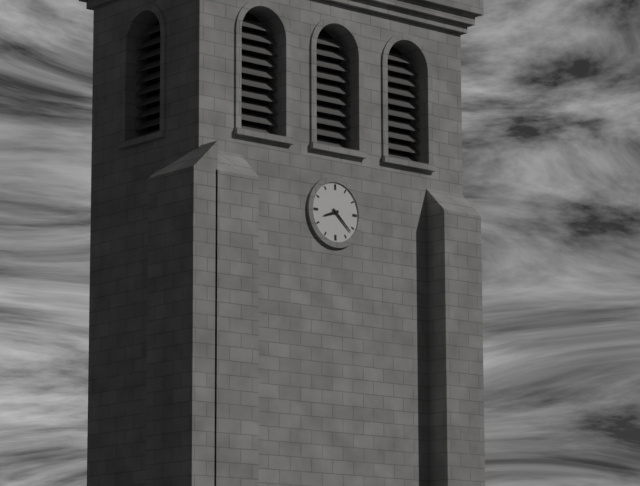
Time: h=8 m=22
